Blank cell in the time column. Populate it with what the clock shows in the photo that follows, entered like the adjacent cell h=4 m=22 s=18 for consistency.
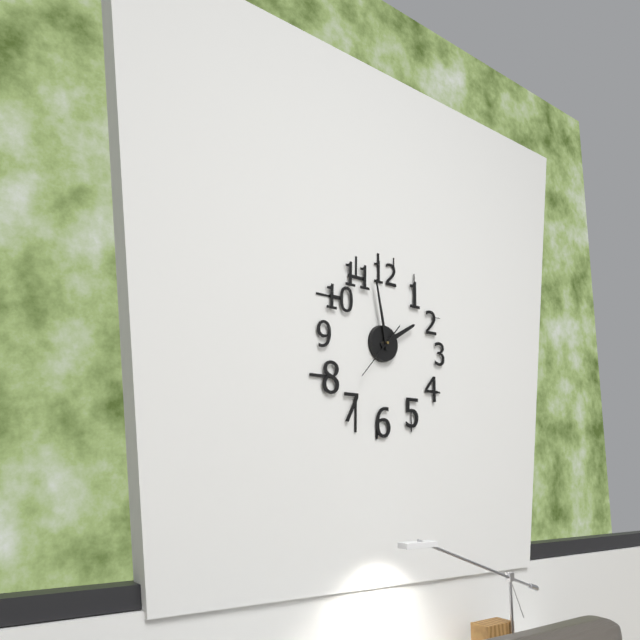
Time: h=1 m=58 s=37
